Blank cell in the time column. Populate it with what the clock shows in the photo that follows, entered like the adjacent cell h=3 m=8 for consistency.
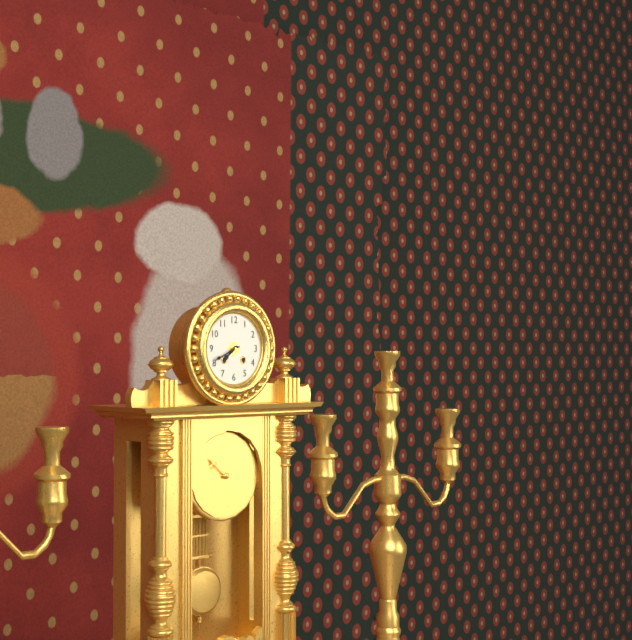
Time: h=7 m=41
